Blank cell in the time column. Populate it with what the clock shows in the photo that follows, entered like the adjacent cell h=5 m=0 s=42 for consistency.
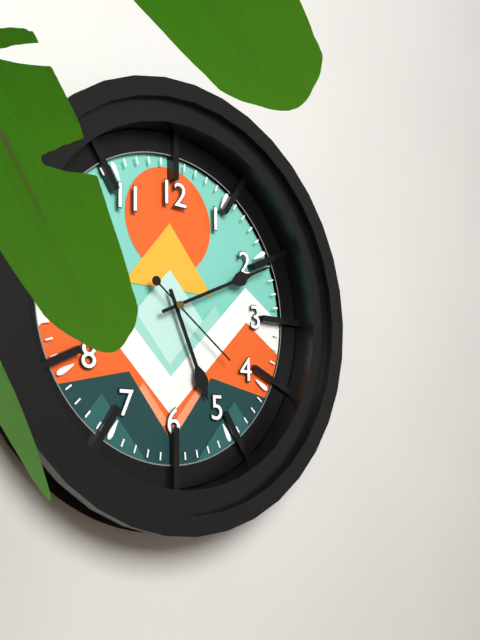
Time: h=5 m=11 s=21
